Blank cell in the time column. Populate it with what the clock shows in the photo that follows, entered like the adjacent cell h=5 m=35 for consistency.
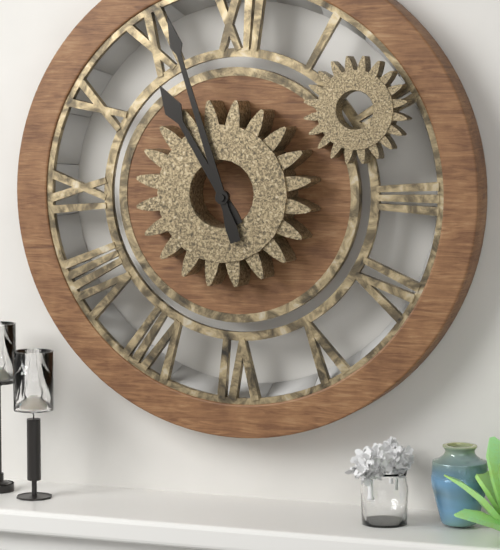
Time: h=10 m=57
